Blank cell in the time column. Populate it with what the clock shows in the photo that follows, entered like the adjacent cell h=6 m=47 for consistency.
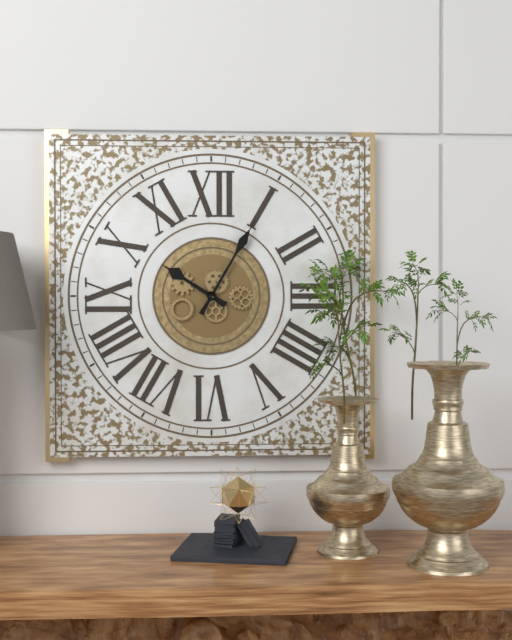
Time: h=10 m=5
